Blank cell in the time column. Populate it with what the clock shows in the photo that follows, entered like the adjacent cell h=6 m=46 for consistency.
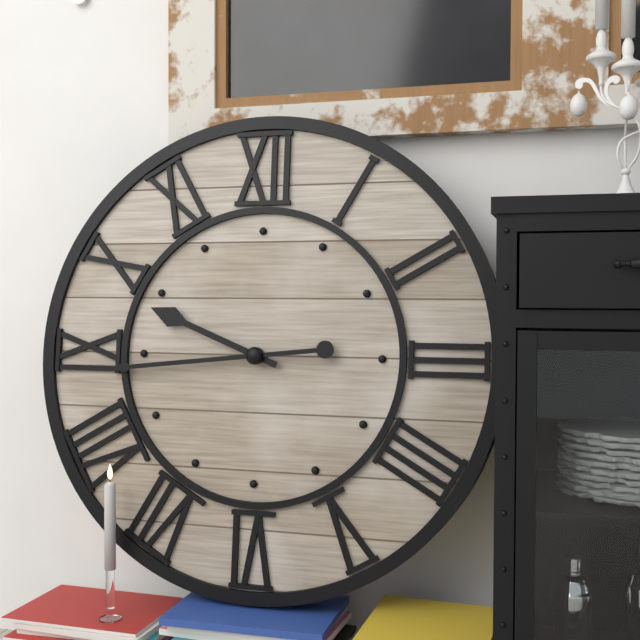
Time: h=9 m=44
